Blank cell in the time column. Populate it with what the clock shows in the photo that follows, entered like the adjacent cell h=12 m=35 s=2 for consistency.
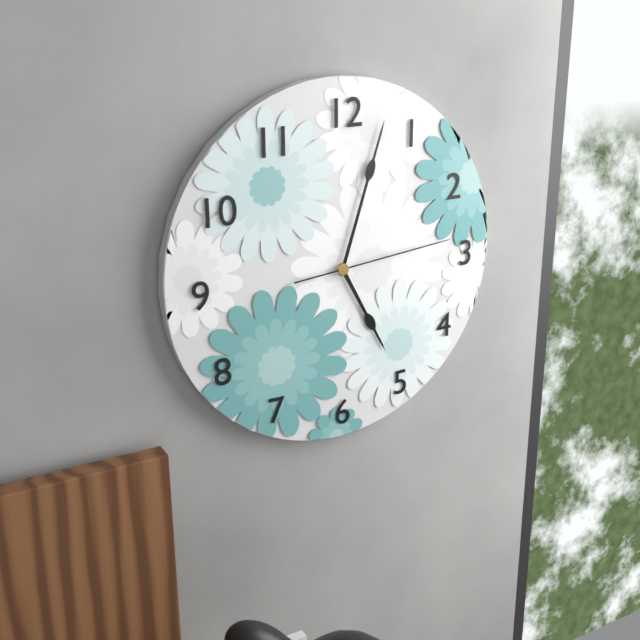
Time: h=5 m=3 s=14
